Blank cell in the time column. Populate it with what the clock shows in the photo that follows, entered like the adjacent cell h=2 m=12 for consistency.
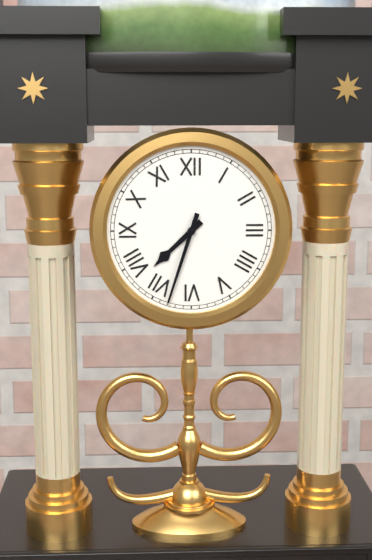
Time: h=7 m=33
